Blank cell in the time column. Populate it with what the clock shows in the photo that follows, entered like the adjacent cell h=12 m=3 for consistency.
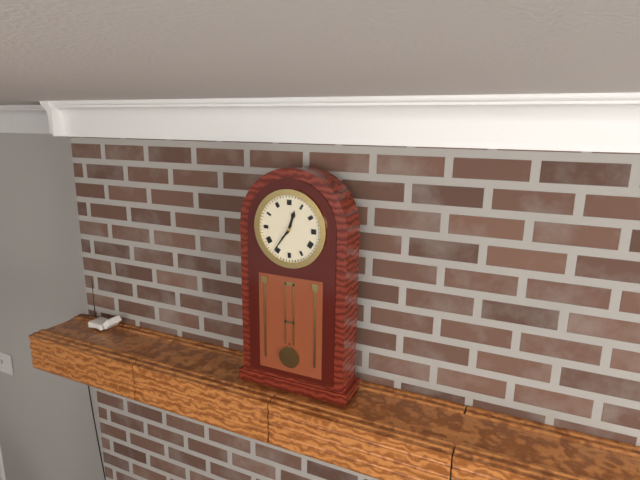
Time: h=12 m=36
